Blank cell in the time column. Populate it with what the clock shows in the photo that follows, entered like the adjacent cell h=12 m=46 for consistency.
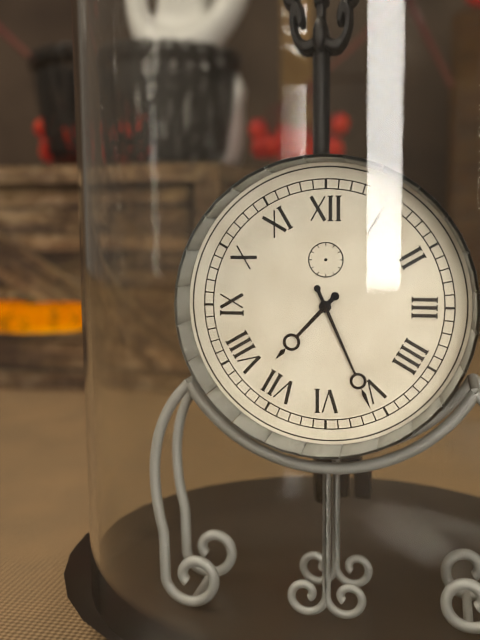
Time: h=7 m=26
